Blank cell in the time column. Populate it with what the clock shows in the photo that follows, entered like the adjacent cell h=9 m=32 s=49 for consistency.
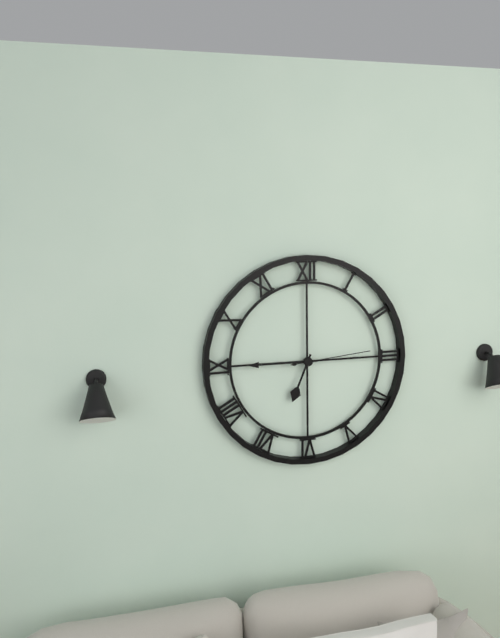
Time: h=6 m=45 s=14
